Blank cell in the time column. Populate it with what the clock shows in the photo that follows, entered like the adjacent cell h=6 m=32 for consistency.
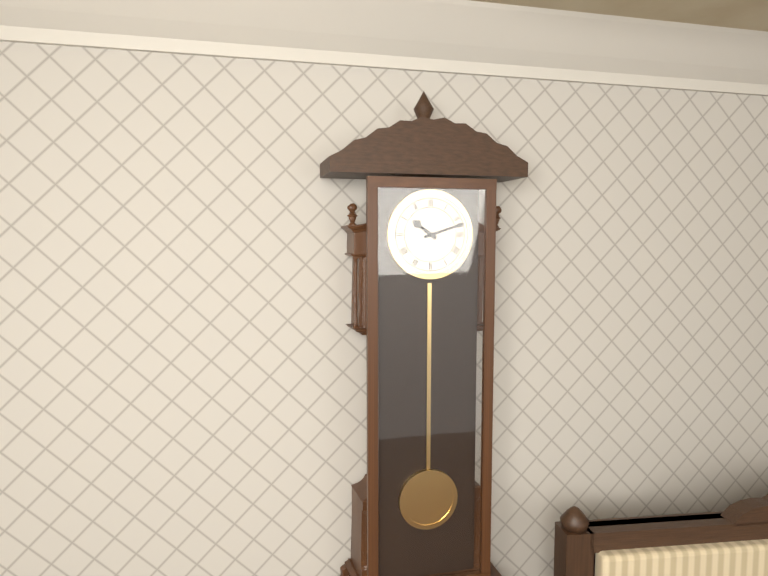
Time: h=10 m=12
